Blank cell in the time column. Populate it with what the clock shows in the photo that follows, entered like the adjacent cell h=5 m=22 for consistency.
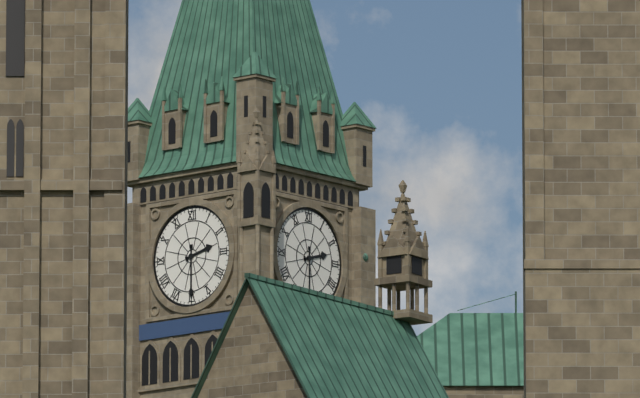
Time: h=2 m=30
